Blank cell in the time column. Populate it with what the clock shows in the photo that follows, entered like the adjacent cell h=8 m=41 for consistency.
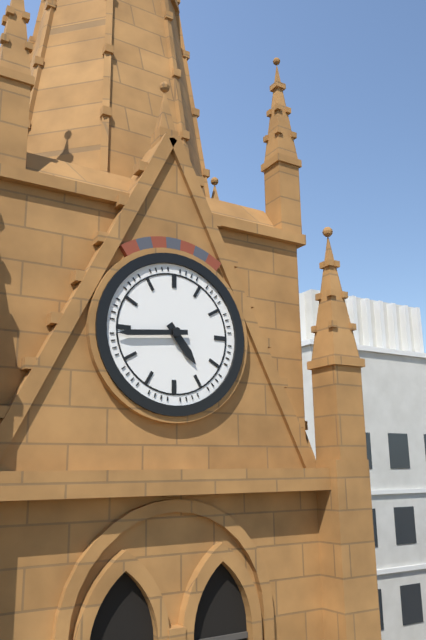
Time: h=4 m=44
